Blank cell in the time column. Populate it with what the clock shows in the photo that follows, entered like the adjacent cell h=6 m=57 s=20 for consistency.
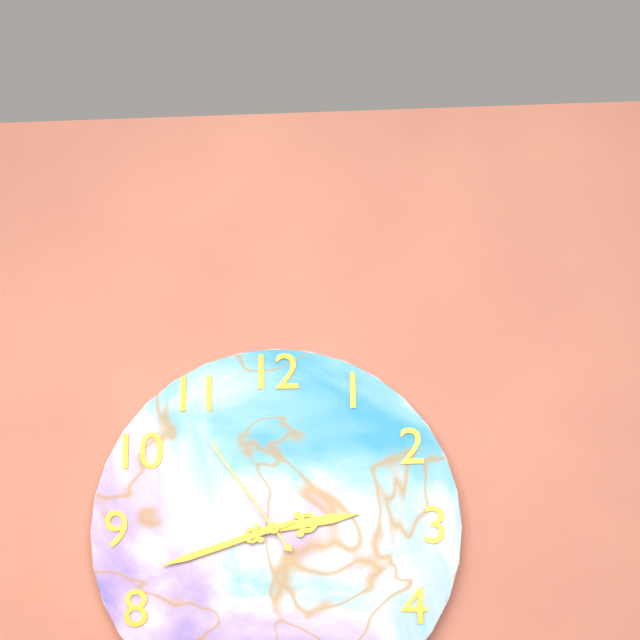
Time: h=2 m=42 s=54
